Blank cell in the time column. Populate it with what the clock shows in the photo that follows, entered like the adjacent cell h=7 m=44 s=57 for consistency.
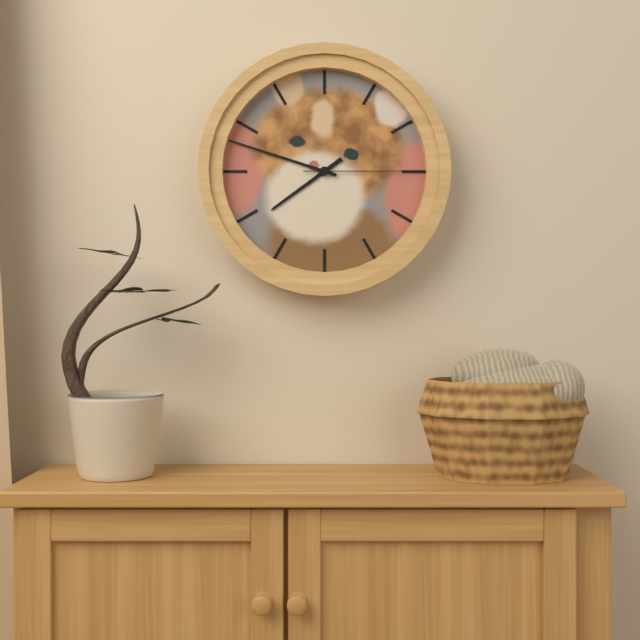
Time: h=7 m=48 s=15
